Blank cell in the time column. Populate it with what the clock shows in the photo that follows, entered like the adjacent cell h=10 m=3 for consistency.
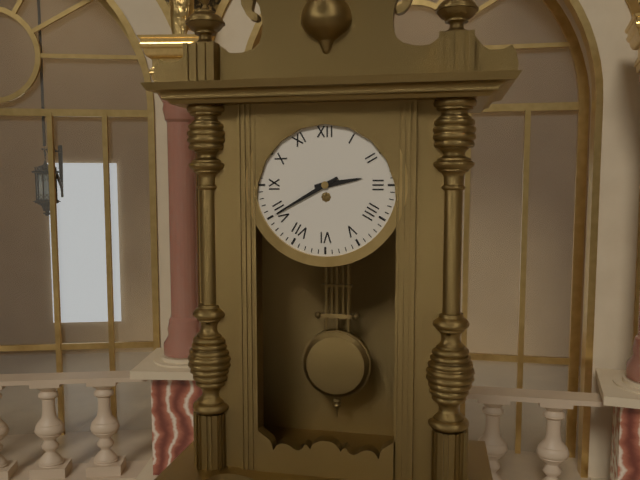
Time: h=2 m=40
